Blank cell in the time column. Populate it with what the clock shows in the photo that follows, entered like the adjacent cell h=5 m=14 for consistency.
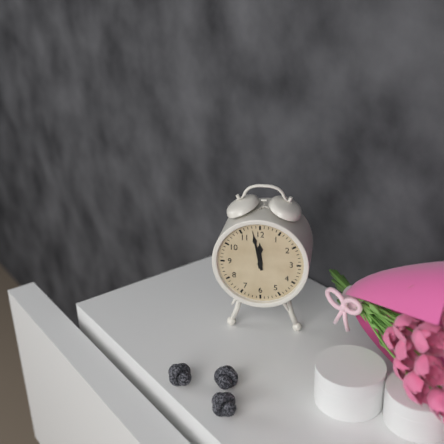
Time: h=11 m=58
